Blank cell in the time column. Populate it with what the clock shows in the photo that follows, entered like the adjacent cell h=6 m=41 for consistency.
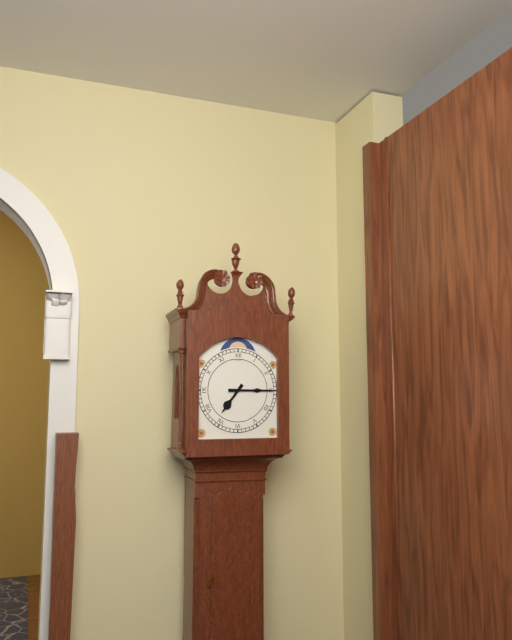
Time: h=7 m=15
